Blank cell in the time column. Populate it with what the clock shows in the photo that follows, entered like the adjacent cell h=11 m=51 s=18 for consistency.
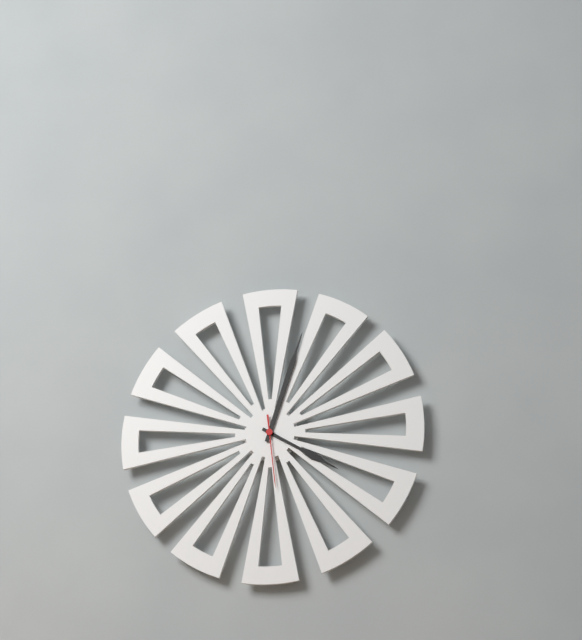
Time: h=4 m=3 s=29
